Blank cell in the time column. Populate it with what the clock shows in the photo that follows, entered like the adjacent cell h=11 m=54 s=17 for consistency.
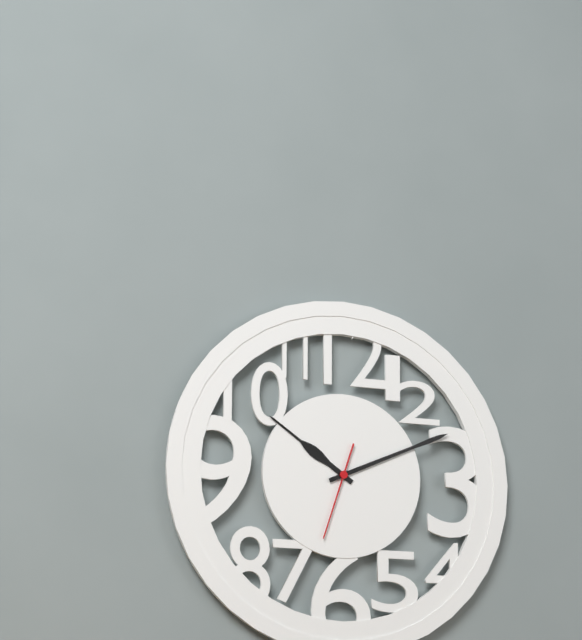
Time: h=10 m=11 s=33
